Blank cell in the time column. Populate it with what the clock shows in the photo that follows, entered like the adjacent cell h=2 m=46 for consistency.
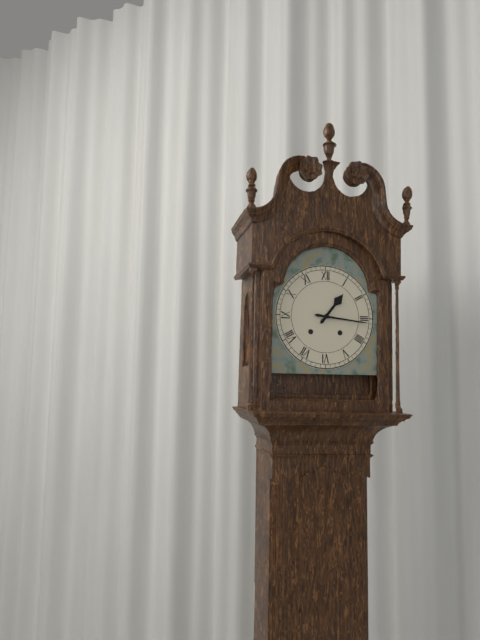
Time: h=1 m=16
